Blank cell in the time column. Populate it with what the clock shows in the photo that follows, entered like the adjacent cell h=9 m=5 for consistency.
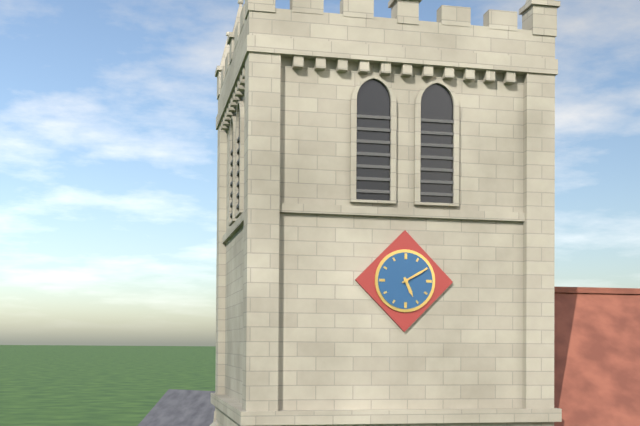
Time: h=5 m=10
